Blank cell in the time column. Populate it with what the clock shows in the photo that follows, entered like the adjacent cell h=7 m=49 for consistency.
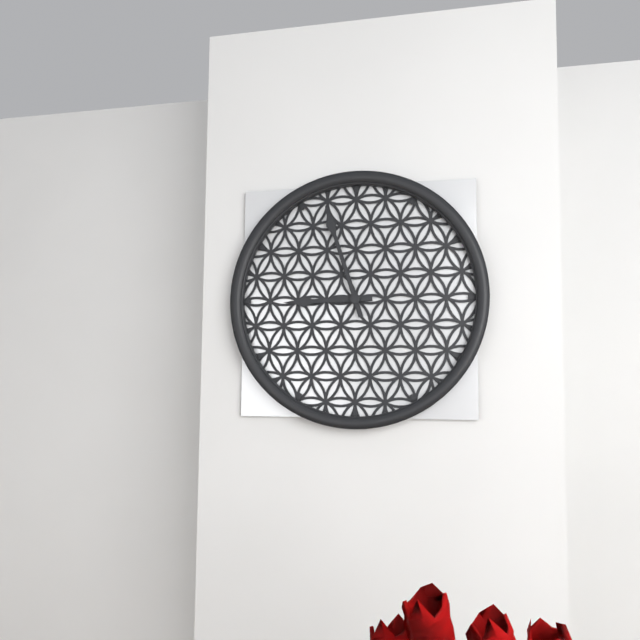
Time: h=8 m=57
